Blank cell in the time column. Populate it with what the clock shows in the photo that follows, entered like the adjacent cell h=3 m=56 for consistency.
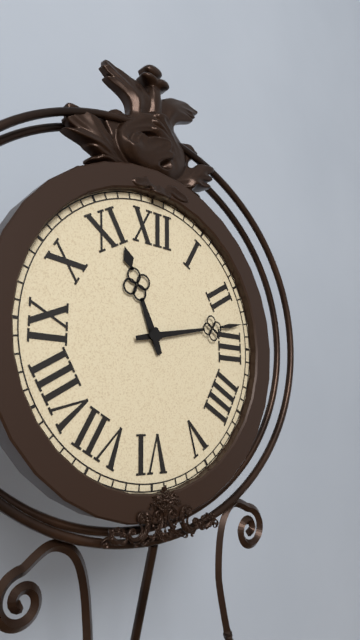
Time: h=11 m=13
